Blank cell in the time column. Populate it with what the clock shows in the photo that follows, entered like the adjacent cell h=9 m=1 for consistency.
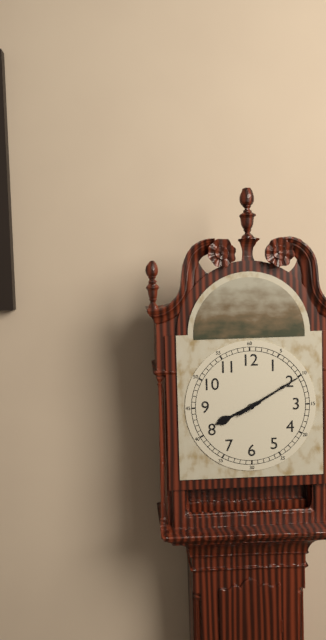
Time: h=8 m=10
